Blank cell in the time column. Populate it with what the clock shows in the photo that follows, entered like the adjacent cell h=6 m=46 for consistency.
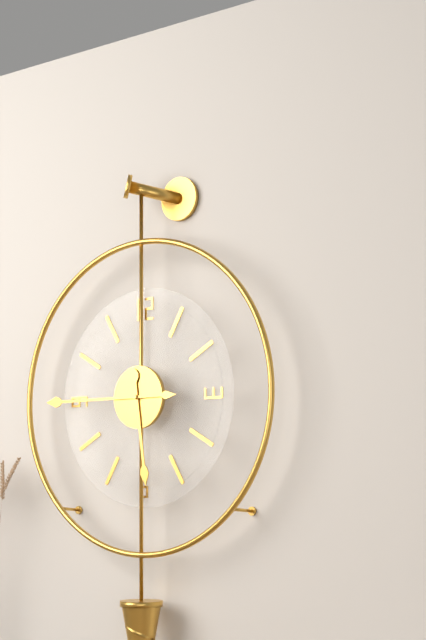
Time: h=5 m=45
